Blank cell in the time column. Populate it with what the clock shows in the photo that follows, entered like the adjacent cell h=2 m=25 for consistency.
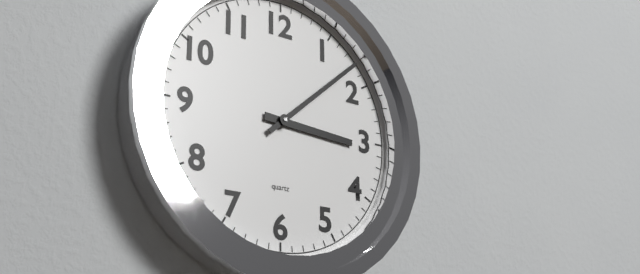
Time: h=3 m=8
